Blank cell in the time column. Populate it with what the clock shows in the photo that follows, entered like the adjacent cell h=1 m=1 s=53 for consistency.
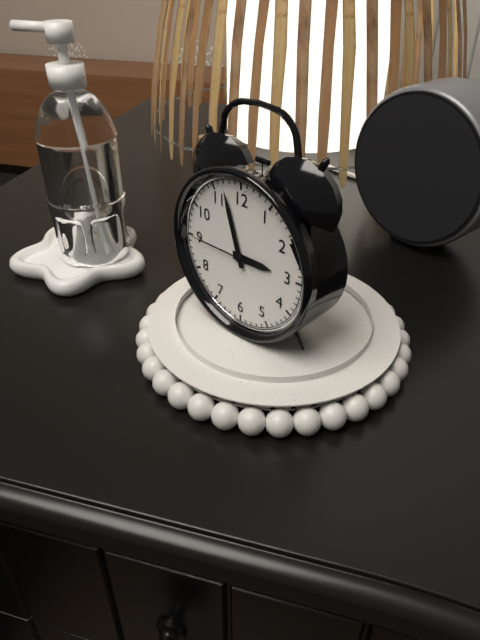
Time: h=2 m=57 s=45
